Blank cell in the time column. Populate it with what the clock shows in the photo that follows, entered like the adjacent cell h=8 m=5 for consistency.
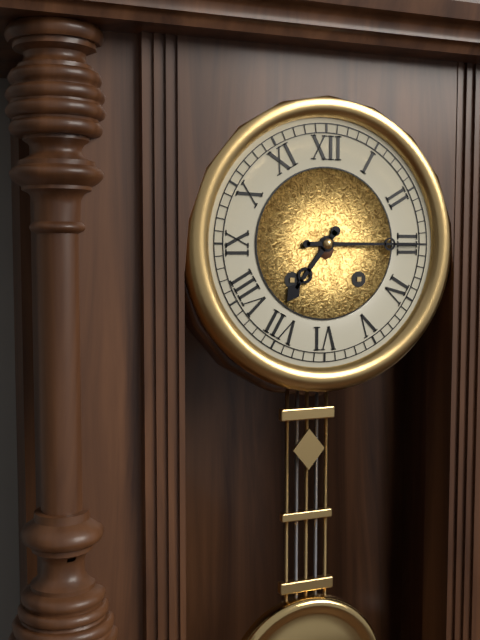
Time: h=7 m=15
